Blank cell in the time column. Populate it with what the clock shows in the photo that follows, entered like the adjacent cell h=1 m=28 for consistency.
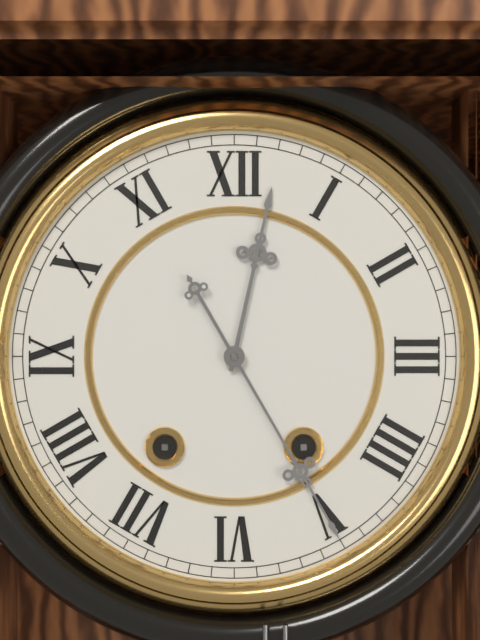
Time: h=12 m=25
